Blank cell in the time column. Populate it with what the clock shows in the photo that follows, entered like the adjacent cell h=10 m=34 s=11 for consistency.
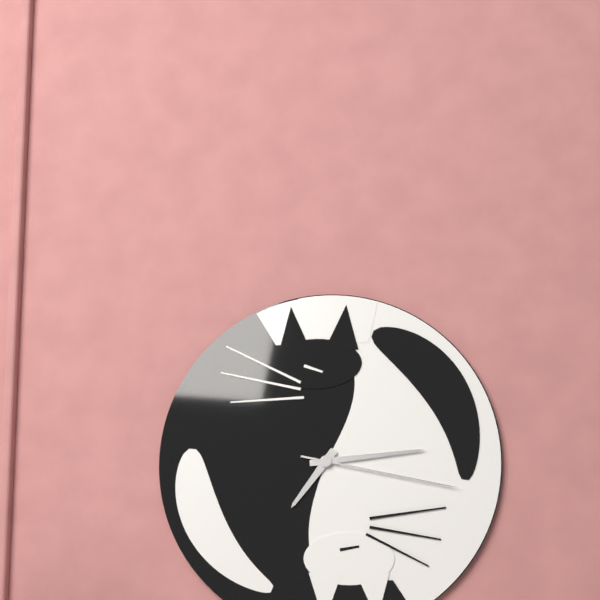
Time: h=7 m=14 s=17
